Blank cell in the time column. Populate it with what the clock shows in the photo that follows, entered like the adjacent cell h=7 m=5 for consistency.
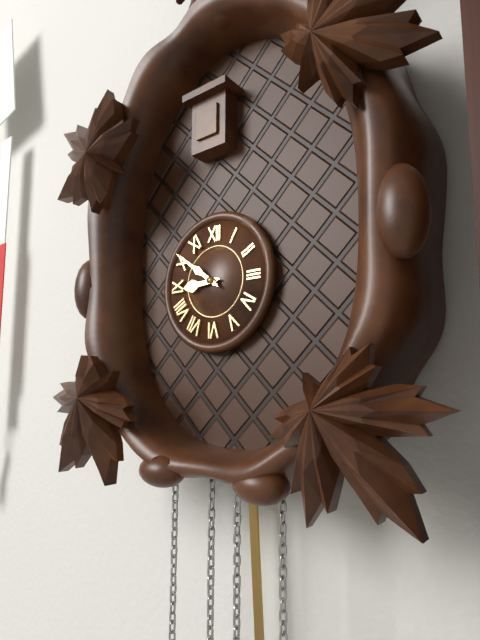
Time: h=8 m=51
